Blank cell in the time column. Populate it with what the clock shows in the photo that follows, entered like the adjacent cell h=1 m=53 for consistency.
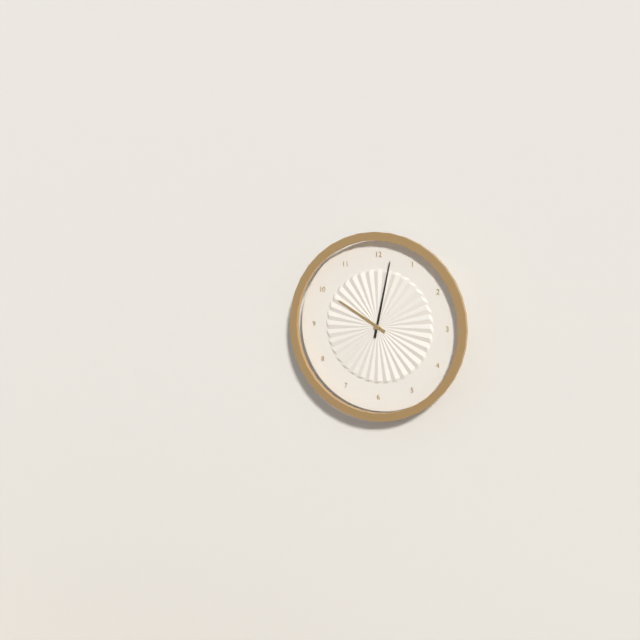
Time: h=10 m=2
